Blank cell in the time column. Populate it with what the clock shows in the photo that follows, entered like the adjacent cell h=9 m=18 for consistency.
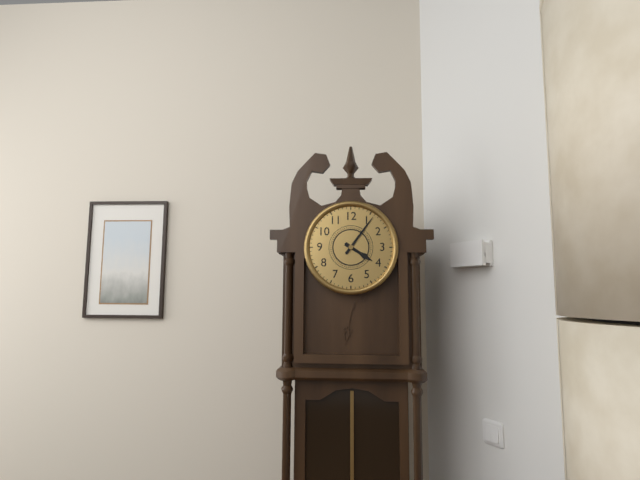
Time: h=4 m=6
